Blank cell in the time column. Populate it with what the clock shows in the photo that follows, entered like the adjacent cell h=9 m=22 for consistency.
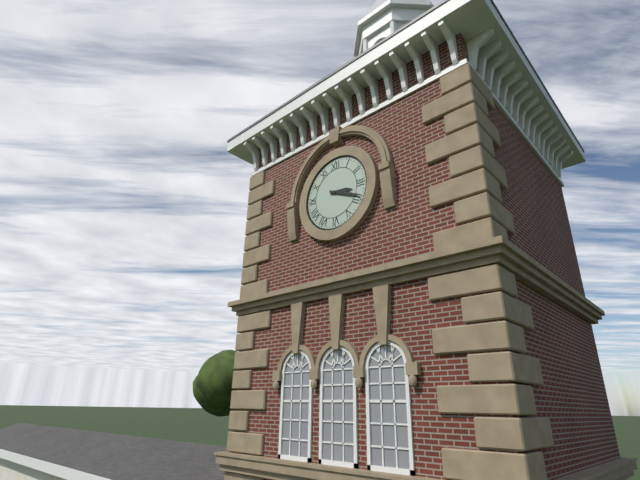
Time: h=3 m=19
